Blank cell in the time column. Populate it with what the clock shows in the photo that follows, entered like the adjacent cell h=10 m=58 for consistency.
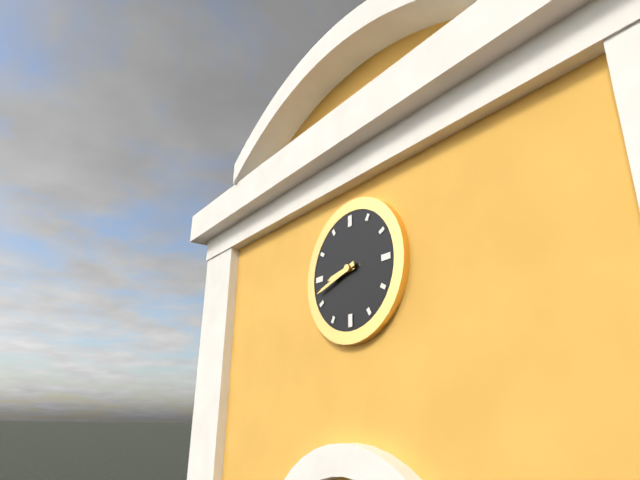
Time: h=8 m=42
